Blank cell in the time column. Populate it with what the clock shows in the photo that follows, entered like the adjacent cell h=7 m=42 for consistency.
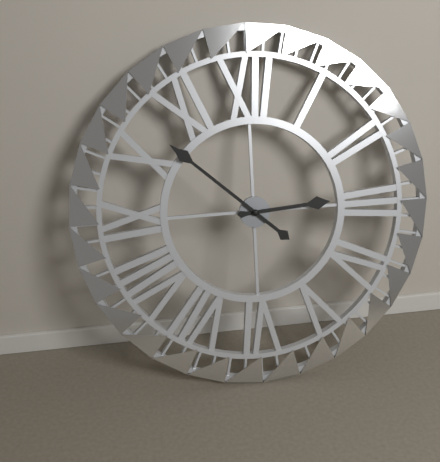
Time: h=2 m=52
